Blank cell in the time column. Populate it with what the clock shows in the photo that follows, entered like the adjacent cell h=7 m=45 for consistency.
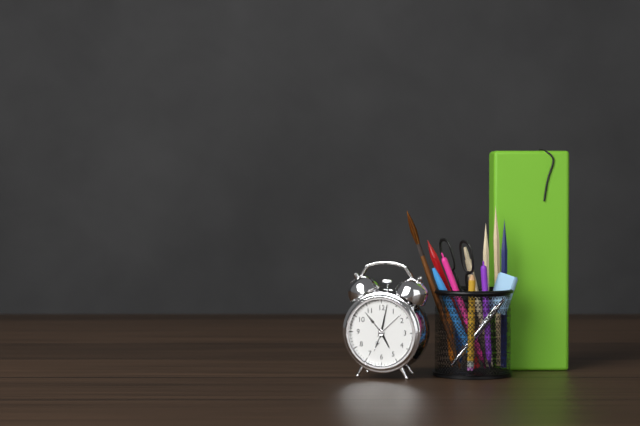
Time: h=5 m=2
